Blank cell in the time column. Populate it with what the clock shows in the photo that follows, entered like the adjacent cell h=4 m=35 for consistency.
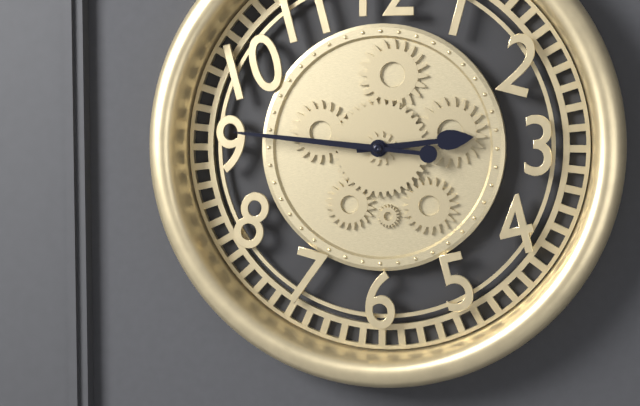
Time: h=2 m=46
